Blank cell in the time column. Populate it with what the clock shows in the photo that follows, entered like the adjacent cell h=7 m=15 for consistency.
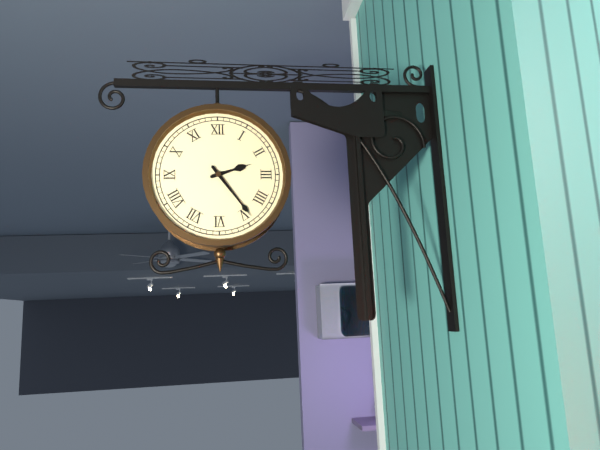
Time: h=2 m=24
